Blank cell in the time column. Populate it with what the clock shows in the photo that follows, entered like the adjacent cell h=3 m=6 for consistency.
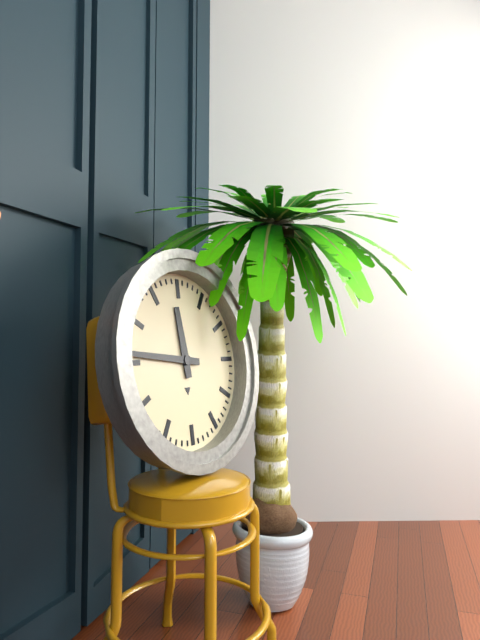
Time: h=11 m=46
